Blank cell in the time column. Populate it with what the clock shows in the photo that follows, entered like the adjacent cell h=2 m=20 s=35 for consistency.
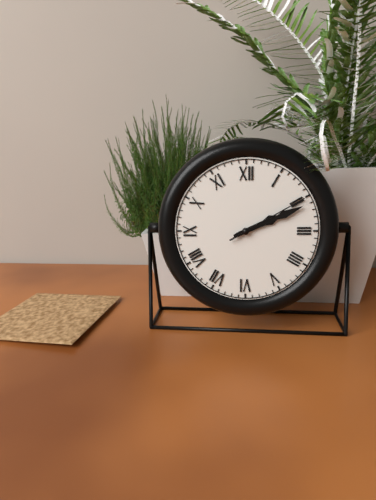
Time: h=2 m=11 s=10
